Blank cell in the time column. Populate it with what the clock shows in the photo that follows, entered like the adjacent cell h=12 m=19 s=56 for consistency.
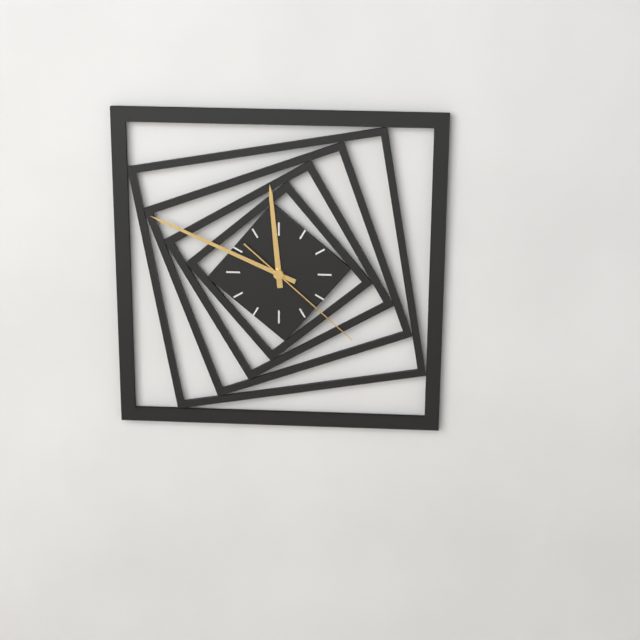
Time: h=11 m=49 s=22
